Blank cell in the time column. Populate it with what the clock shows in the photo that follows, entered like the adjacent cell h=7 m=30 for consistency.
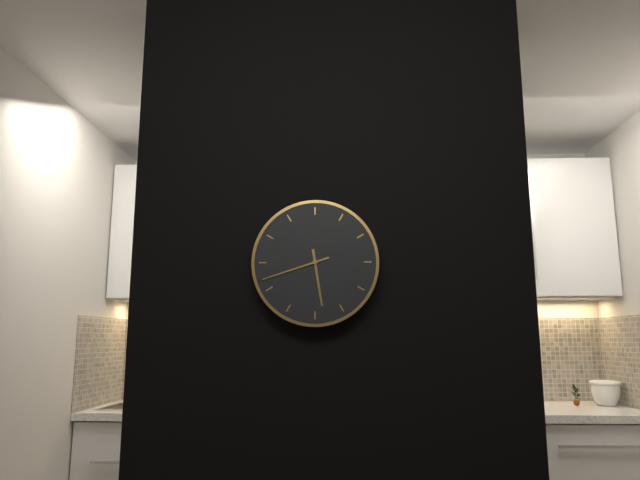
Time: h=5 m=42
